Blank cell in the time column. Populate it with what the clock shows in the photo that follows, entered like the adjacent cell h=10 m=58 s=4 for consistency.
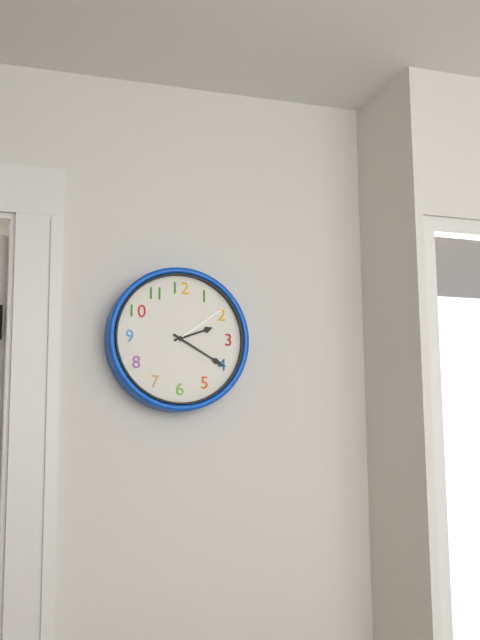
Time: h=2 m=20 s=9
